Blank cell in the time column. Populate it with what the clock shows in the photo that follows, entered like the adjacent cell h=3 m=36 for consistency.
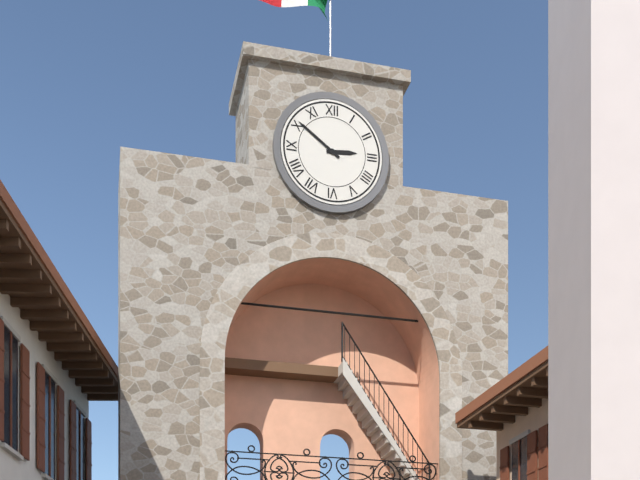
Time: h=2 m=51
